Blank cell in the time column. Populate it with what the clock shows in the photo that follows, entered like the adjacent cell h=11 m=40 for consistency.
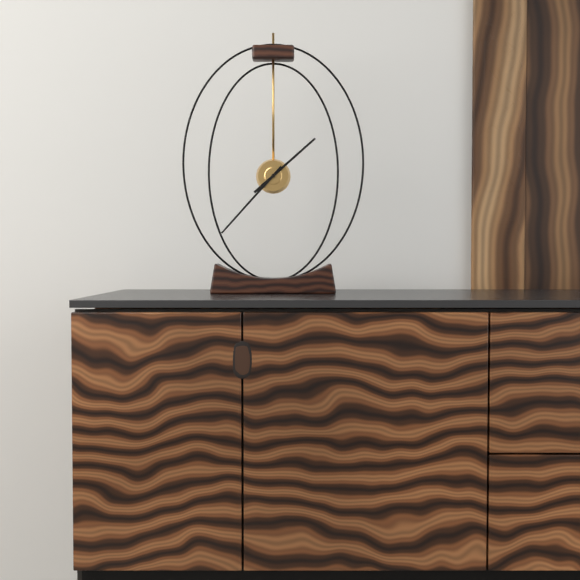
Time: h=1 m=37
